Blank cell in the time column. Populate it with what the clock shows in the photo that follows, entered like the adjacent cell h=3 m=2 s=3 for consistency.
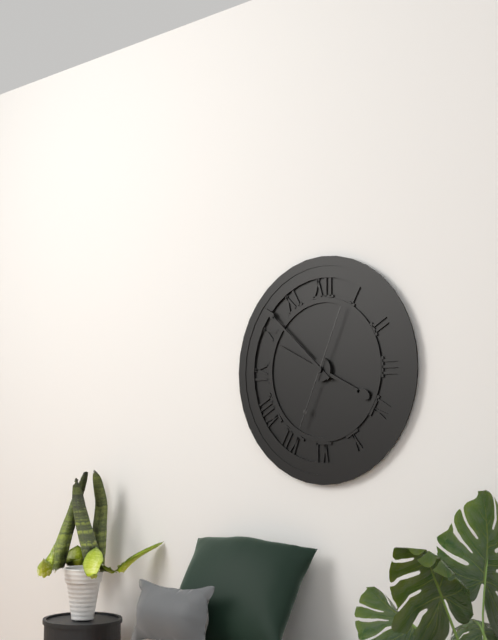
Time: h=3 m=52 s=4
